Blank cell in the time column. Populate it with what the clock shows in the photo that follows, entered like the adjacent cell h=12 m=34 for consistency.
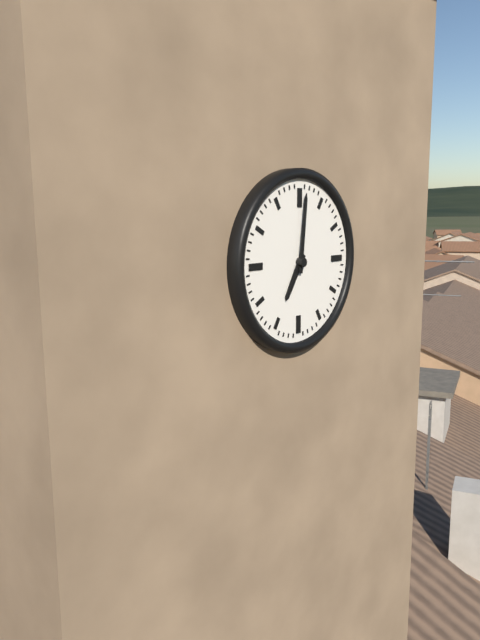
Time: h=7 m=1
